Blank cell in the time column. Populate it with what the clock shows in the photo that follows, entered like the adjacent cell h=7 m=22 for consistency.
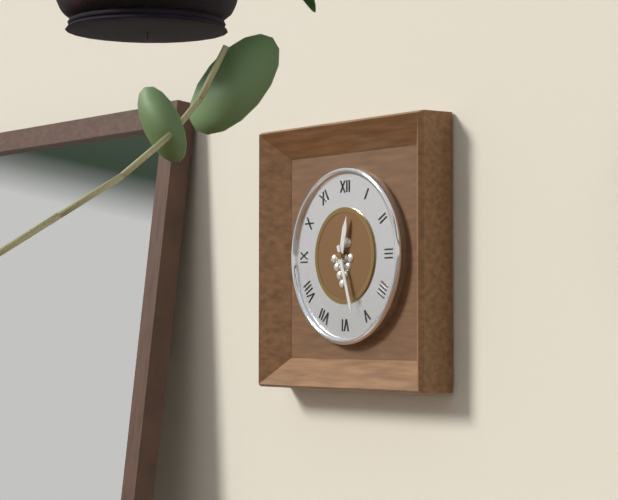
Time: h=12 m=27
